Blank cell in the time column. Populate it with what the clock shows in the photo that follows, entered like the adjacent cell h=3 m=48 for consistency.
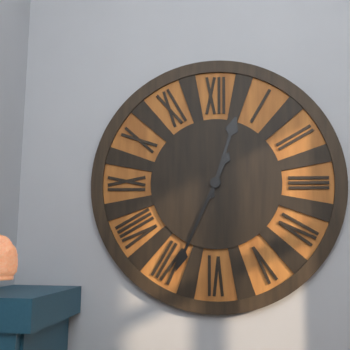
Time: h=12 m=34
